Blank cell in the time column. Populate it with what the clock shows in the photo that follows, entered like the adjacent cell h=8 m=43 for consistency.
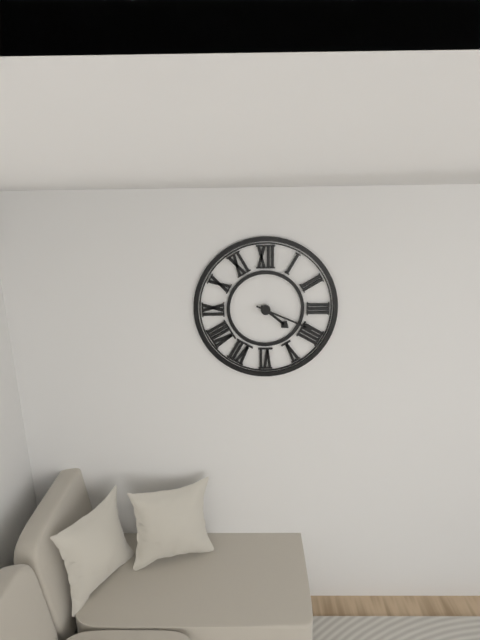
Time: h=4 m=19
